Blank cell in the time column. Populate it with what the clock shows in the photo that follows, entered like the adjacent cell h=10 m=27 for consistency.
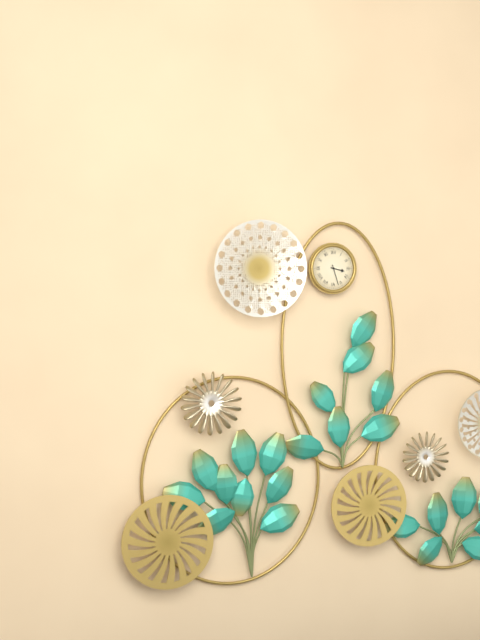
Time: h=3 m=27
